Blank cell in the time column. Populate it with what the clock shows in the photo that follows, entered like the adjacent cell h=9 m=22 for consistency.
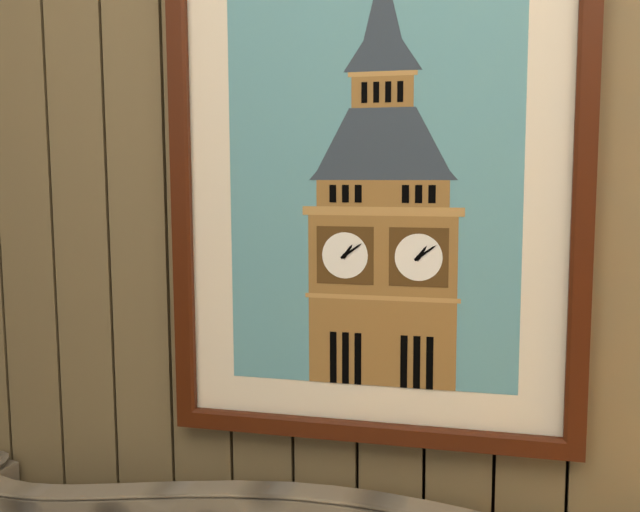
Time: h=1 m=9
